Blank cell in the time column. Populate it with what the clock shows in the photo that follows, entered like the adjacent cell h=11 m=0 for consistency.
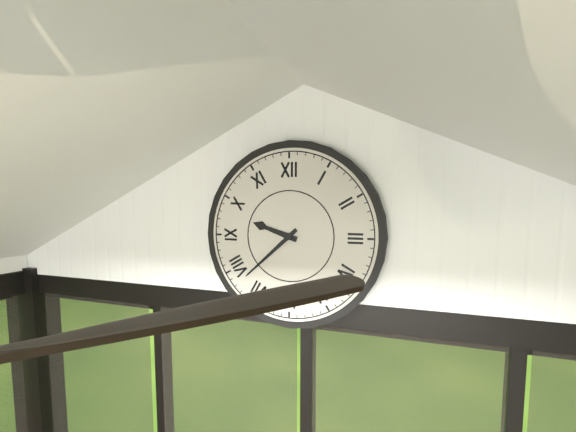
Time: h=9 m=38
